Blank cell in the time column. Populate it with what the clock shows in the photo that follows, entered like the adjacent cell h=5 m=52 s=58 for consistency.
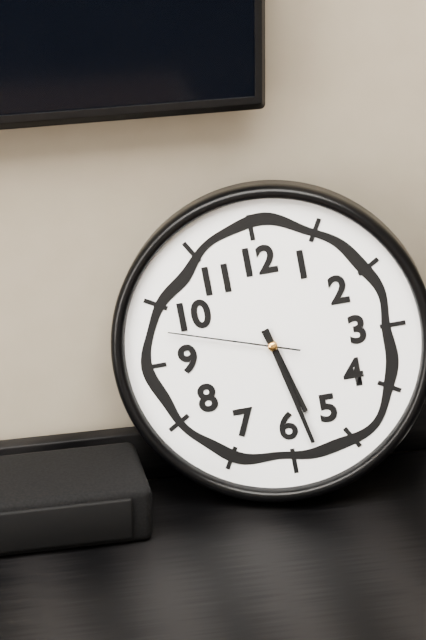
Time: h=5 m=28 s=48
